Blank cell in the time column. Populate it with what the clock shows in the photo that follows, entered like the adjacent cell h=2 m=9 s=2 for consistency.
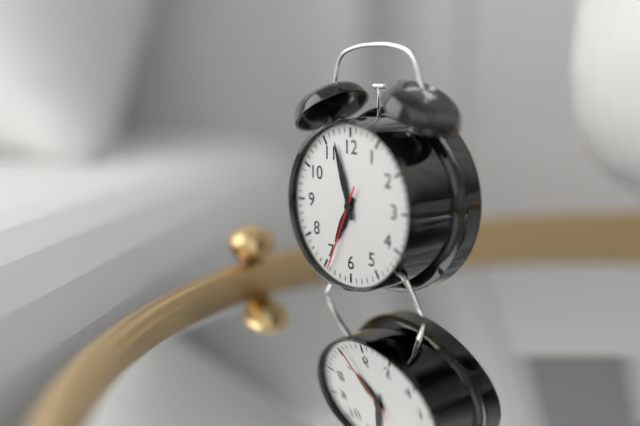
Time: h=6 m=57 s=34
